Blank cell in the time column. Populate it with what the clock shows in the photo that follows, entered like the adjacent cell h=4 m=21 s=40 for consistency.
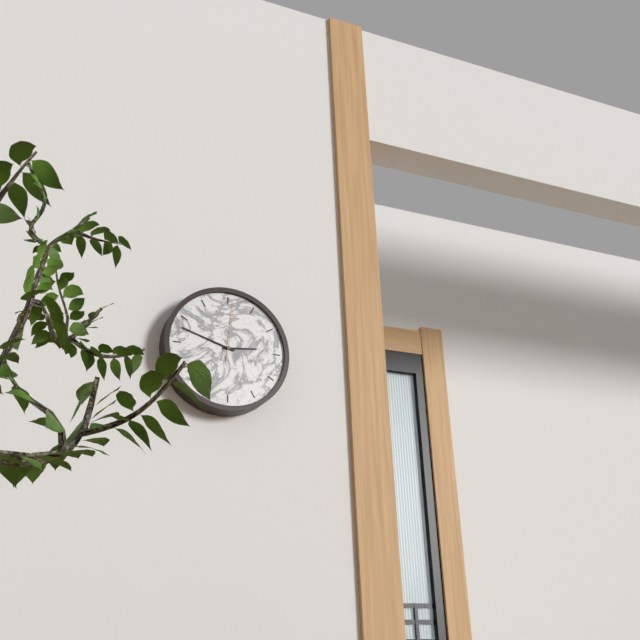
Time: h=2 m=48 s=1
